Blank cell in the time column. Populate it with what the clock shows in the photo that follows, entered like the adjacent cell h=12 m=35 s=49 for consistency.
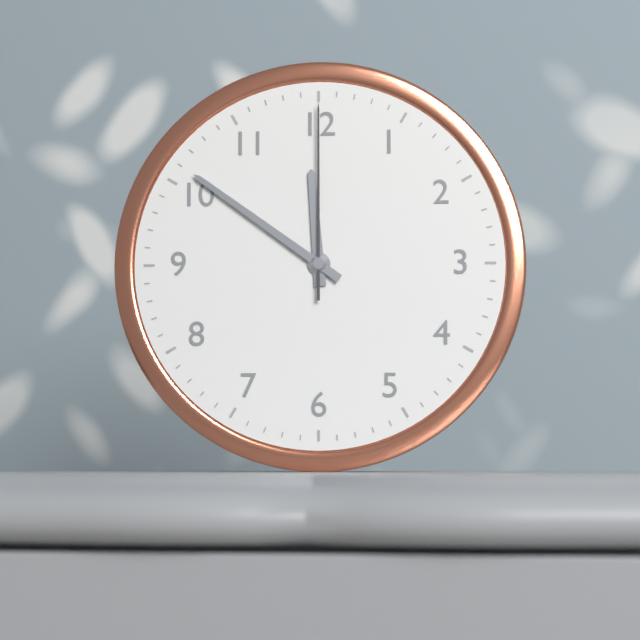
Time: h=11 m=51 s=0
